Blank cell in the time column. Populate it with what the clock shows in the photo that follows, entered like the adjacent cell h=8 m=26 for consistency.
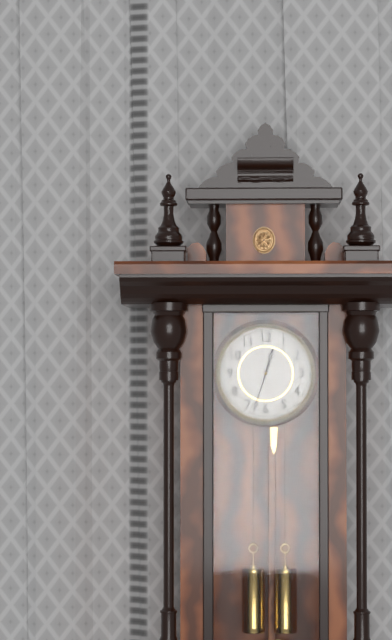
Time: h=12 m=33
